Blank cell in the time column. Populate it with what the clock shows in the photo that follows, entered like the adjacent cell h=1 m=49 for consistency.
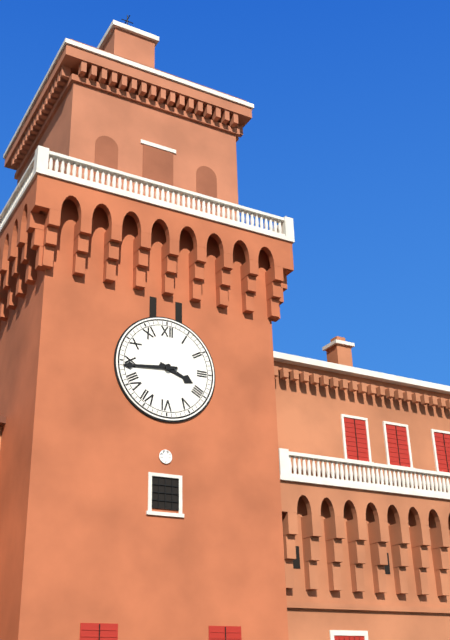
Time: h=3 m=44
